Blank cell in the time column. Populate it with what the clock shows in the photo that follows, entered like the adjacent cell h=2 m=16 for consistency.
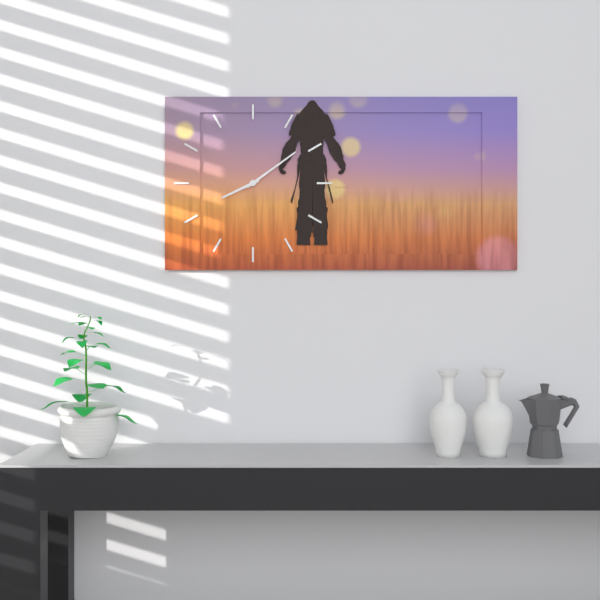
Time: h=8 m=9
